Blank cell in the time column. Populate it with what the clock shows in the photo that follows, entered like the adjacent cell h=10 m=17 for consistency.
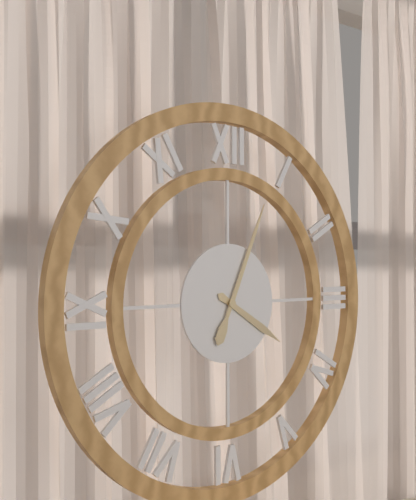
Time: h=4 m=4
